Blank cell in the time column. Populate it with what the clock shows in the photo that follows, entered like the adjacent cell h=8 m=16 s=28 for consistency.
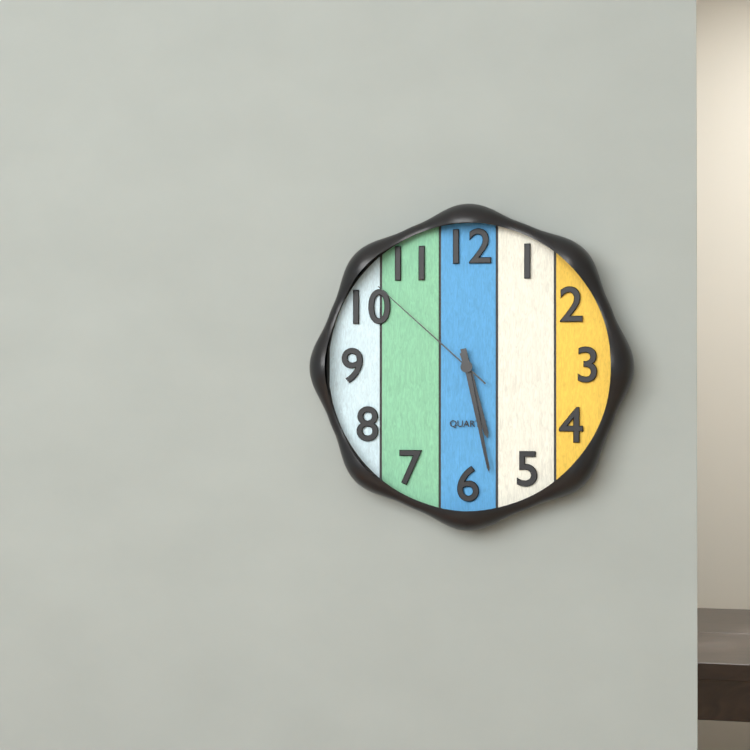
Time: h=5 m=28 s=52
